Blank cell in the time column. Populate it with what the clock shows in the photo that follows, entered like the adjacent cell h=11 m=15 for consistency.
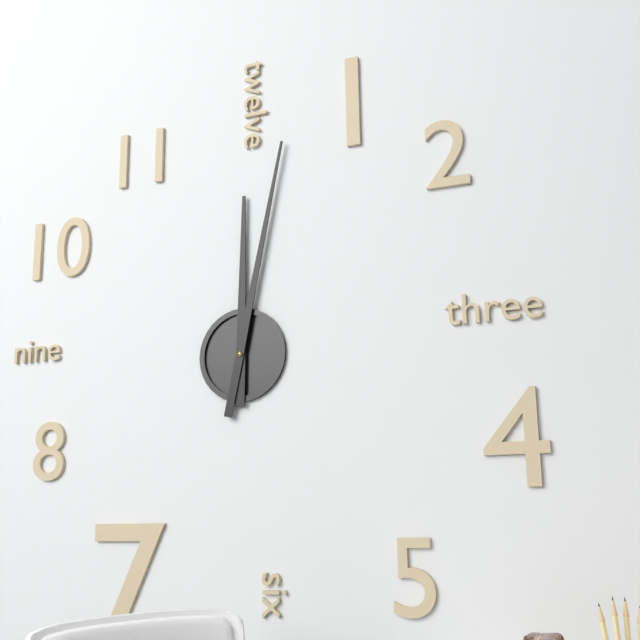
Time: h=12 m=2
